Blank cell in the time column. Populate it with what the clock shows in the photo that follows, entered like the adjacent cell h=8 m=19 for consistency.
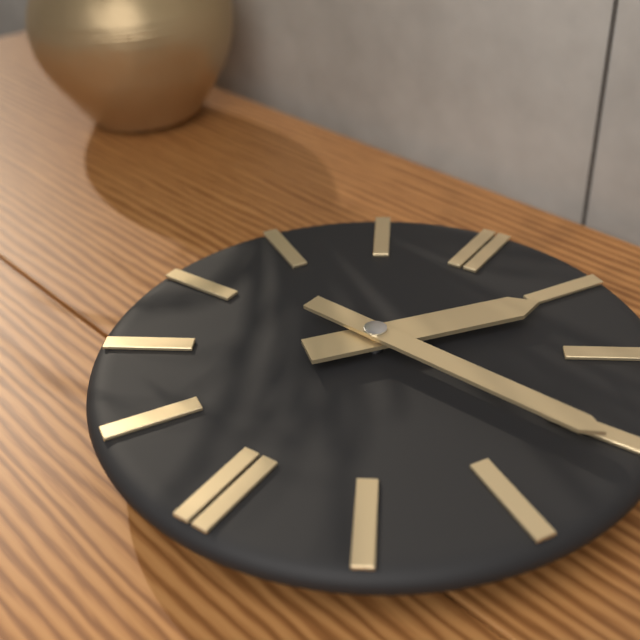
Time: h=1 m=16
